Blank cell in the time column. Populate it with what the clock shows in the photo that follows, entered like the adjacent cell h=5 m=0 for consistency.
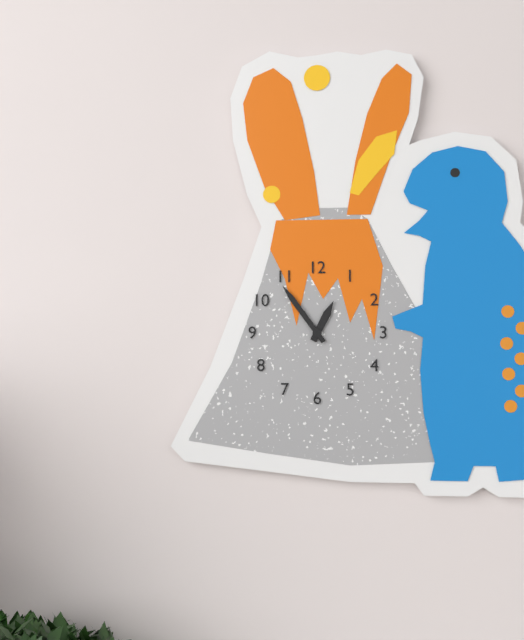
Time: h=12 m=54
